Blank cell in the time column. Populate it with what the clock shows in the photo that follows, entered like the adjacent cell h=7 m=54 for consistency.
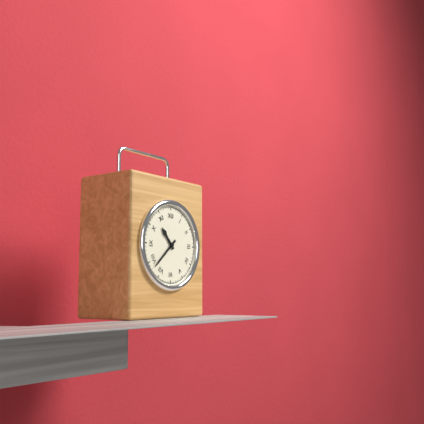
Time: h=10 m=38
